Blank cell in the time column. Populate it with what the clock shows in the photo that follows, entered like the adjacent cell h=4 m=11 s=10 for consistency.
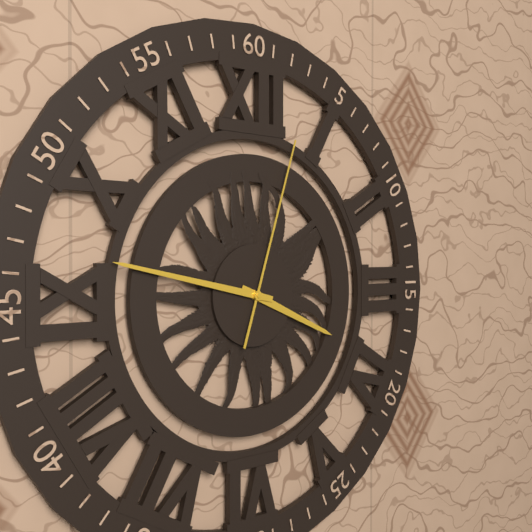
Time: h=3 m=47 s=3
